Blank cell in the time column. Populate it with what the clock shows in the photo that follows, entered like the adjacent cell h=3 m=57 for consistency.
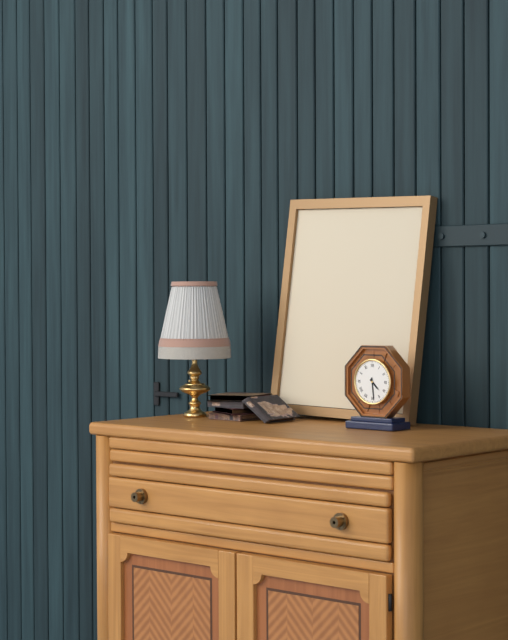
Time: h=4 m=29
